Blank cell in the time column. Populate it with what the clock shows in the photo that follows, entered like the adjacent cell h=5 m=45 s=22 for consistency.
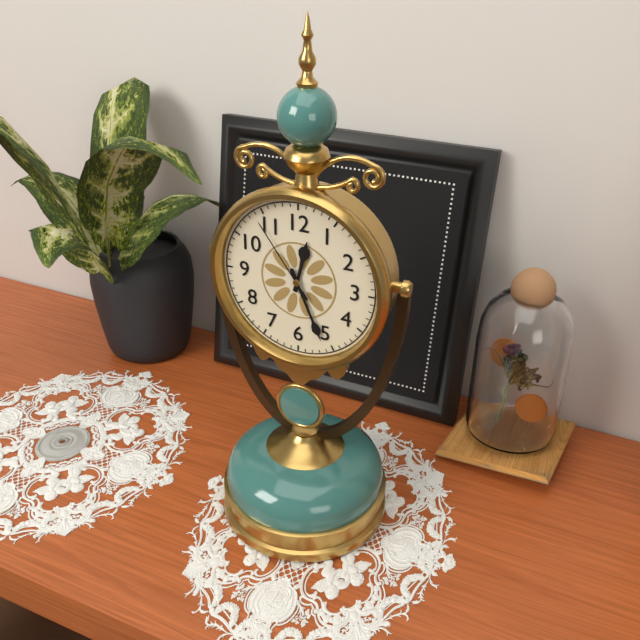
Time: h=12 m=26 s=54
